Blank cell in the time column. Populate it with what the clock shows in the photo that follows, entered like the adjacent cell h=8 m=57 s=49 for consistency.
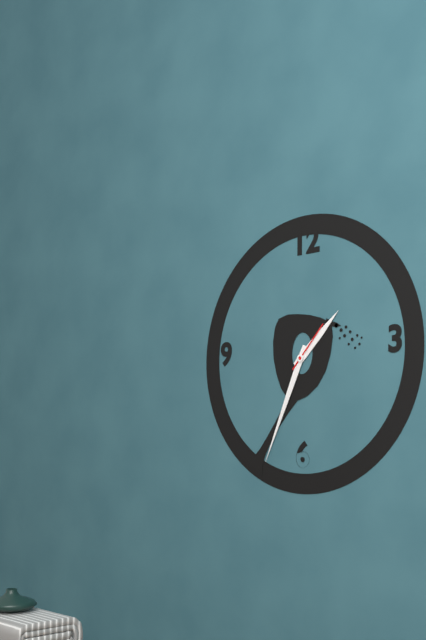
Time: h=1 m=34 s=7
